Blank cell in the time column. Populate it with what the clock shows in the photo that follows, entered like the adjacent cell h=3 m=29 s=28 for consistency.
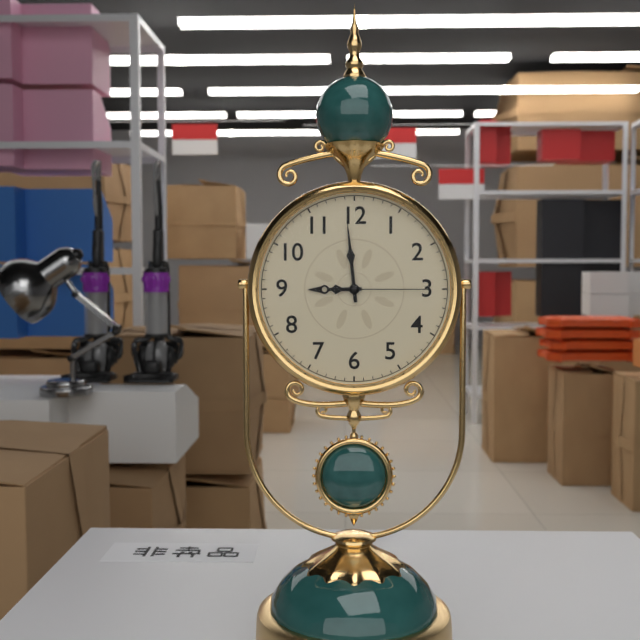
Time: h=8 m=59 s=15
